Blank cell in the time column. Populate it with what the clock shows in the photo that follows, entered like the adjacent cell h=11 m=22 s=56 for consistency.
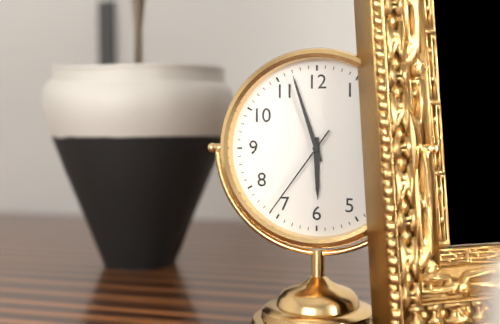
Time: h=5 m=57 s=36
